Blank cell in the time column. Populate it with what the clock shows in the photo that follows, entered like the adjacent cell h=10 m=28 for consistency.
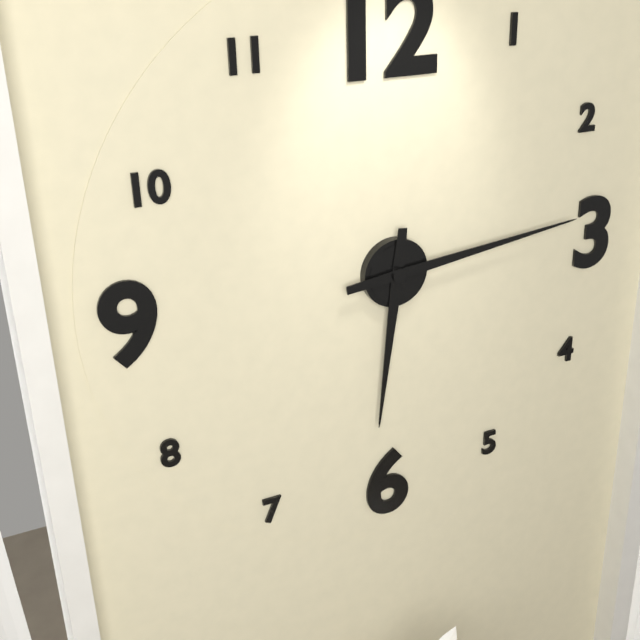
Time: h=6 m=14
